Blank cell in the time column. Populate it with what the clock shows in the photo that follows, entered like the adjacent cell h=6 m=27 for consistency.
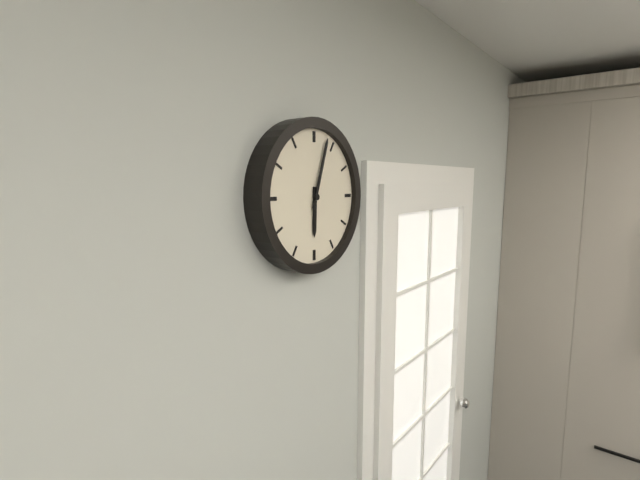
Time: h=6 m=3
